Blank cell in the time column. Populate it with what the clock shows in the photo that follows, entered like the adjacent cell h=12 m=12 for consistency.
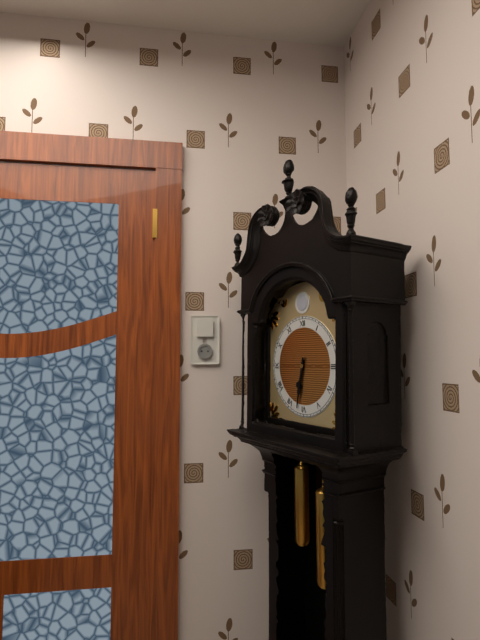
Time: h=6 m=32
